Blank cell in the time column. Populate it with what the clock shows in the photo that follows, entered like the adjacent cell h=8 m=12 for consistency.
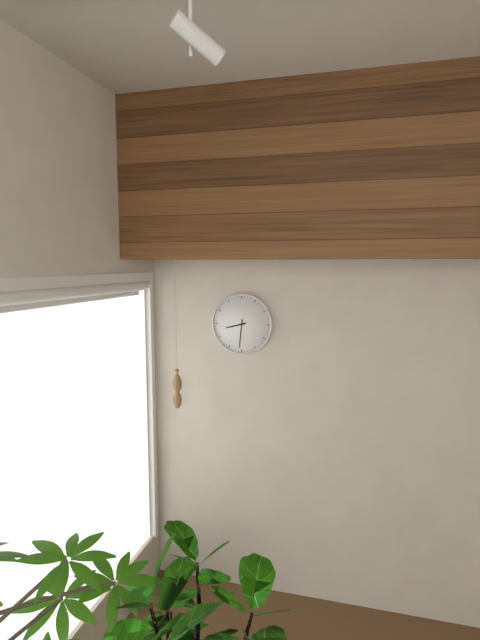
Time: h=8 m=31
